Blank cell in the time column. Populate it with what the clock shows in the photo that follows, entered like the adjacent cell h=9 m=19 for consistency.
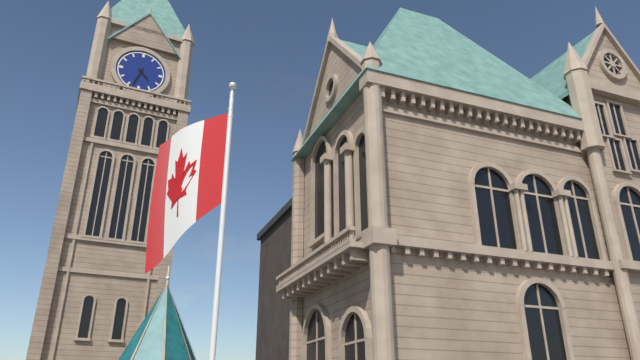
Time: h=4 m=33
